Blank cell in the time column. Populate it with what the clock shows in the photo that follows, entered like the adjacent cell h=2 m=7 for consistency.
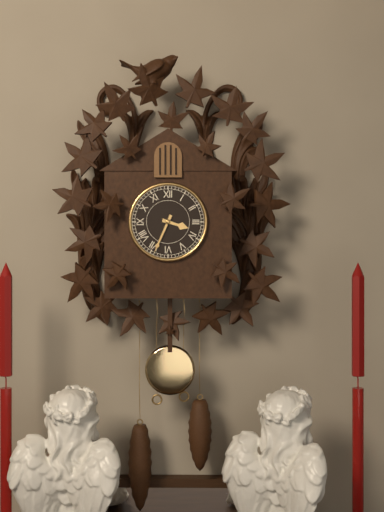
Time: h=3 m=34
